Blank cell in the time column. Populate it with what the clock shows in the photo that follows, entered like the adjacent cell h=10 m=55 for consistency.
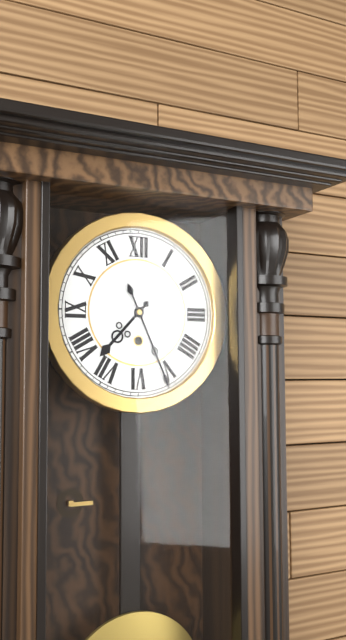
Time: h=7 m=26
